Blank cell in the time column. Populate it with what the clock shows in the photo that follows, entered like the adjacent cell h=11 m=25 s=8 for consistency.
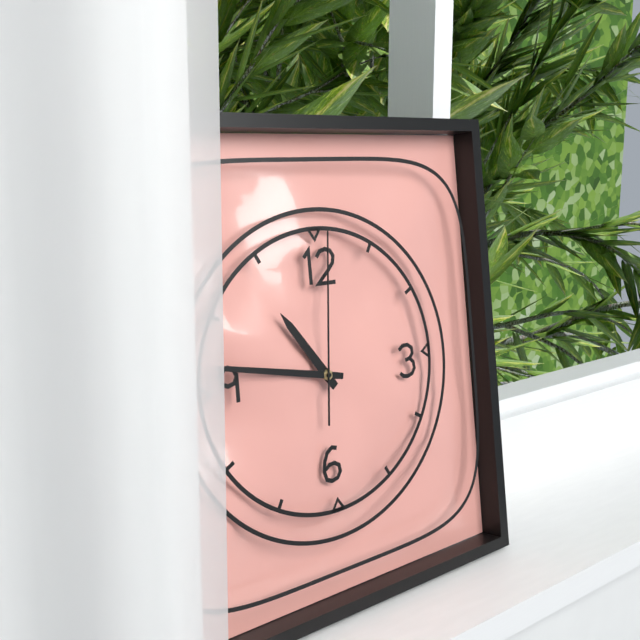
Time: h=10 m=47 s=1
